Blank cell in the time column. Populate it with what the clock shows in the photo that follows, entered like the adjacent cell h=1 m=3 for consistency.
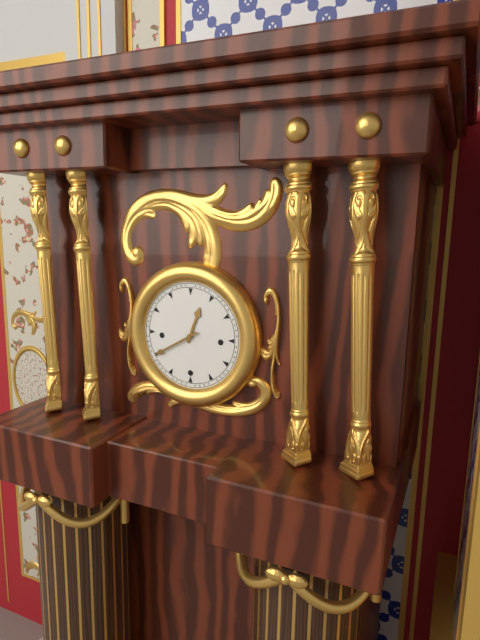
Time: h=12 m=40
